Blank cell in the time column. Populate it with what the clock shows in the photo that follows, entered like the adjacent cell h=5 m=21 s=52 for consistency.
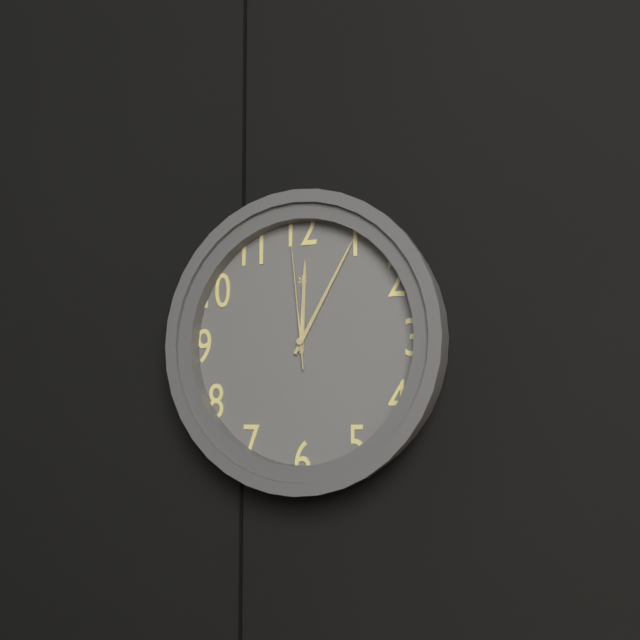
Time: h=12 m=5 s=59
